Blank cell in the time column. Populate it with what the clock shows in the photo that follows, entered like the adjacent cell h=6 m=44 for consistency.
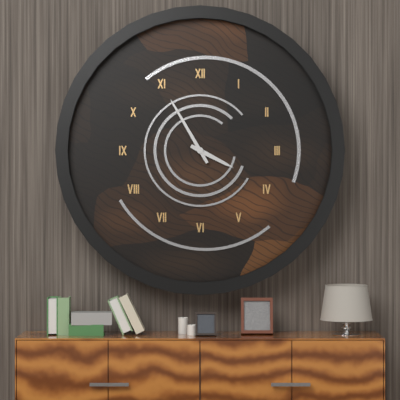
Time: h=3 m=55
